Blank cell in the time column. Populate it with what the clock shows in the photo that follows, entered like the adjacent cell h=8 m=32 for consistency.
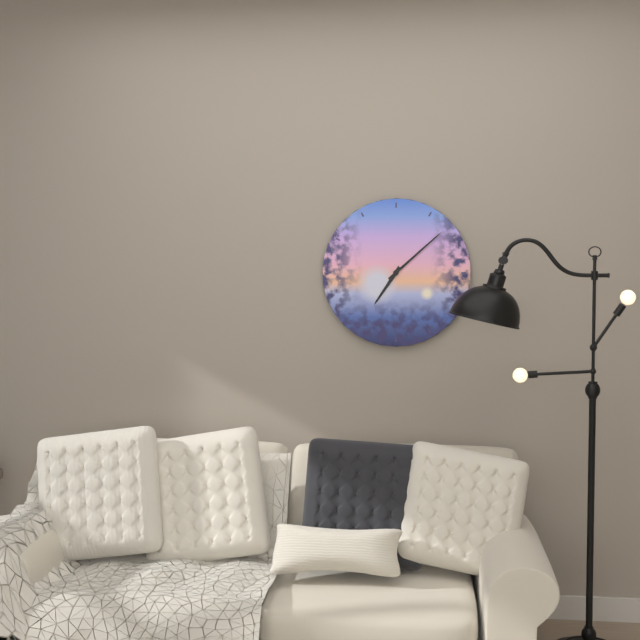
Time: h=7 m=8
